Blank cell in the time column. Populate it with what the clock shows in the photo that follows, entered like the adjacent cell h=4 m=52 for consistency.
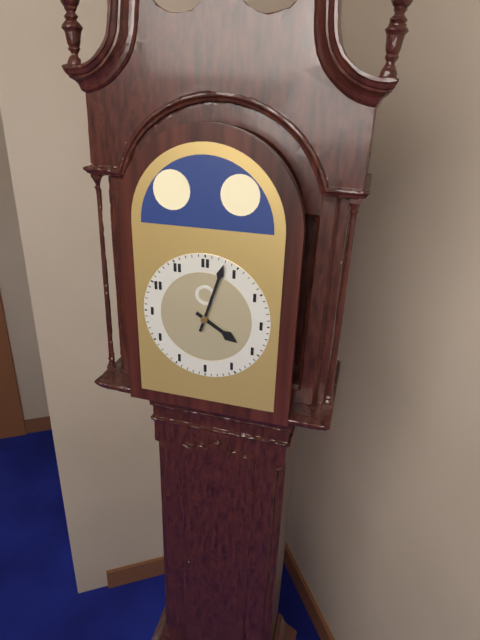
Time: h=4 m=3
